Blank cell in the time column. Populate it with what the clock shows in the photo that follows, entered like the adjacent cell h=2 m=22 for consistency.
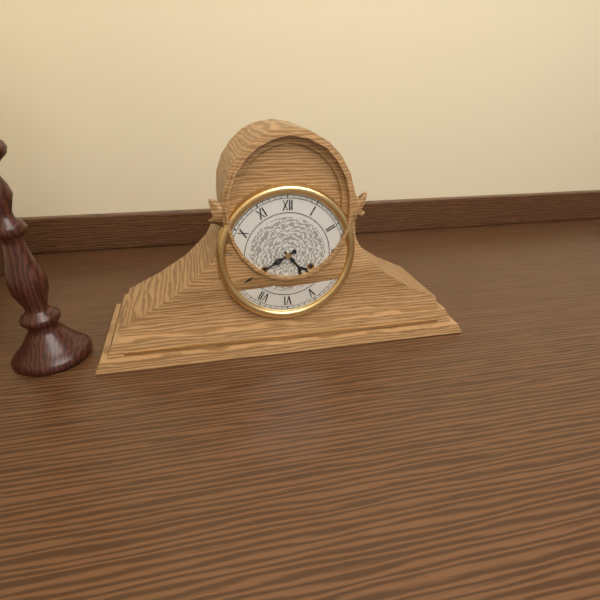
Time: h=4 m=40
